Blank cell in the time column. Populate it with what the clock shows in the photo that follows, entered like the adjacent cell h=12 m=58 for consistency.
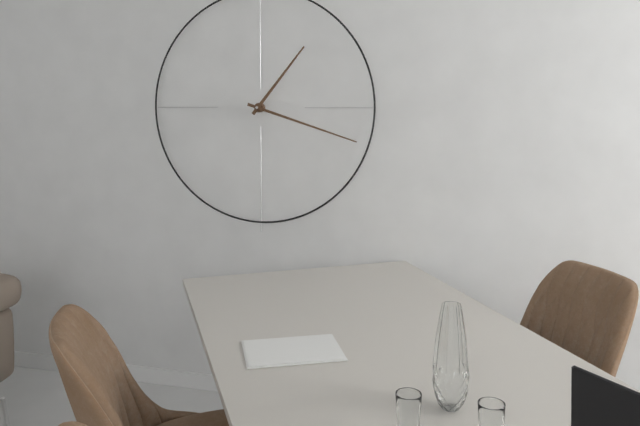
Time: h=1 m=18
